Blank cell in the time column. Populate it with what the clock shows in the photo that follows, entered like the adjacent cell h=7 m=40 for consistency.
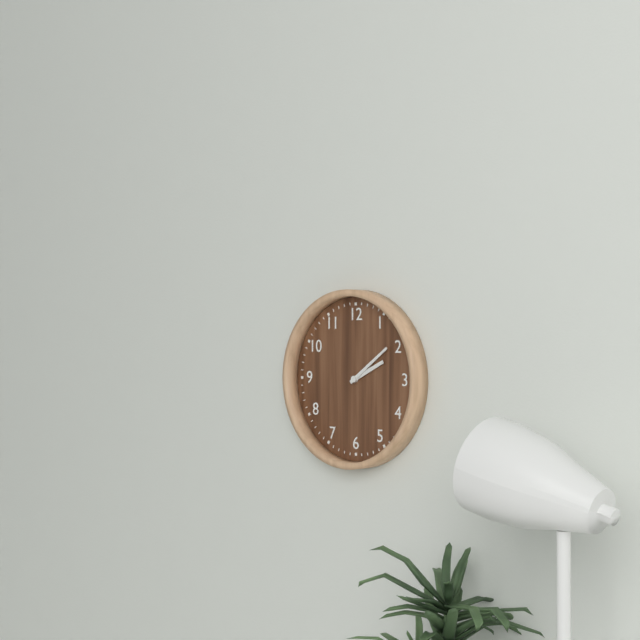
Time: h=2 m=9
